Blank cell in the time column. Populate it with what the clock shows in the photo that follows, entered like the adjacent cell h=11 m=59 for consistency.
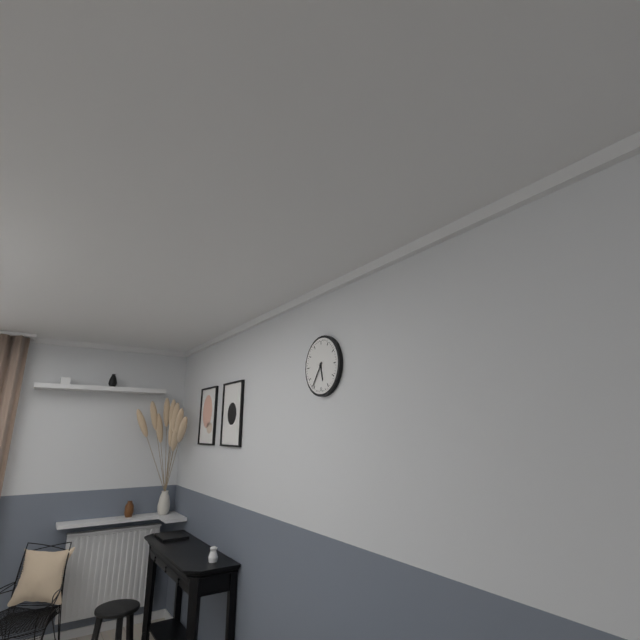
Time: h=5 m=36
